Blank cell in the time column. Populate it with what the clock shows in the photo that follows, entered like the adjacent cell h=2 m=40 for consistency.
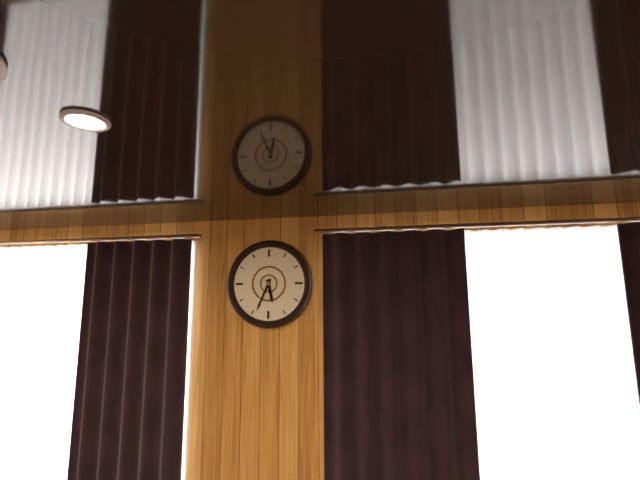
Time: h=5 m=34
